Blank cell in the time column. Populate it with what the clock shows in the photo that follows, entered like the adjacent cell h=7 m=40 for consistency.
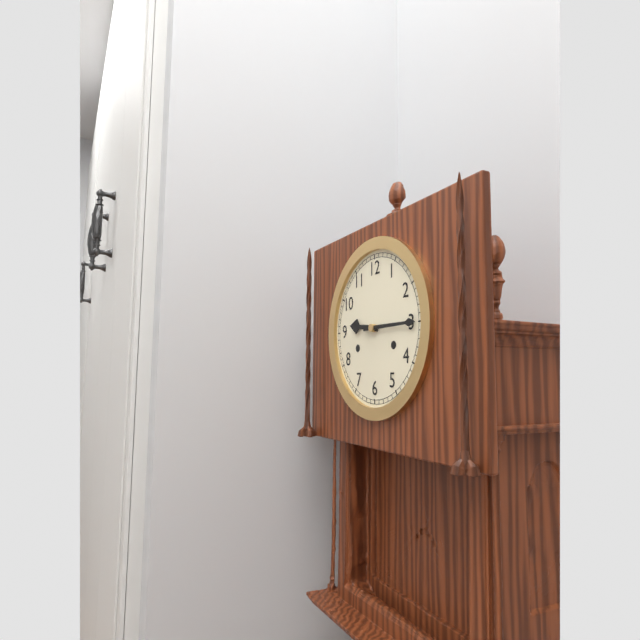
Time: h=9 m=15
